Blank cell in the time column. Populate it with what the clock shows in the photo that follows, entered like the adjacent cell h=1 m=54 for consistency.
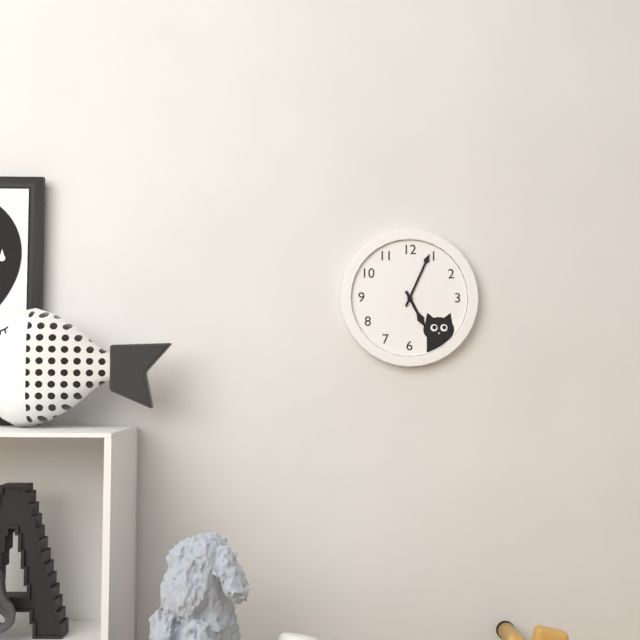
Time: h=5 m=4
